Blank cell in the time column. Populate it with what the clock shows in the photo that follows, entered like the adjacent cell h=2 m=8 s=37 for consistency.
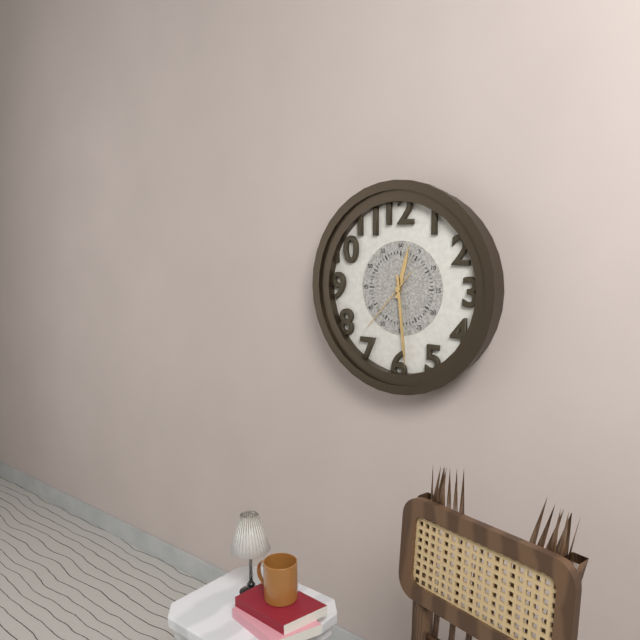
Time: h=12 m=29 s=37
